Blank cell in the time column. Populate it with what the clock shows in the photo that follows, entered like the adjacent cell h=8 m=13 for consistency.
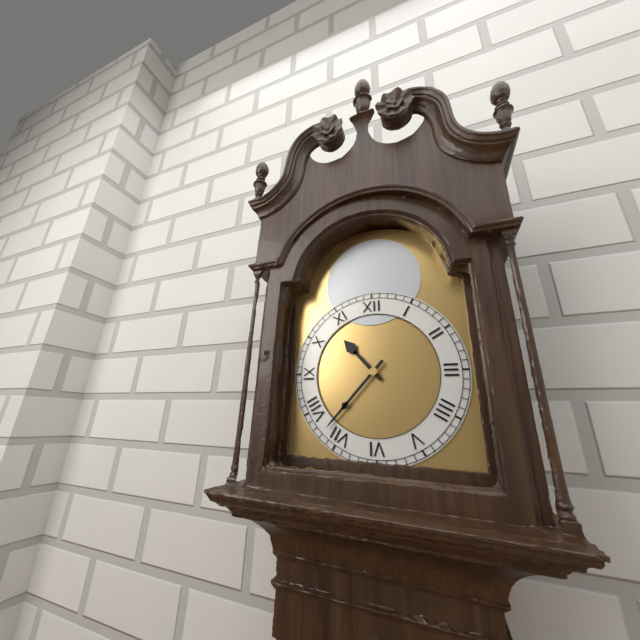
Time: h=10 m=37
